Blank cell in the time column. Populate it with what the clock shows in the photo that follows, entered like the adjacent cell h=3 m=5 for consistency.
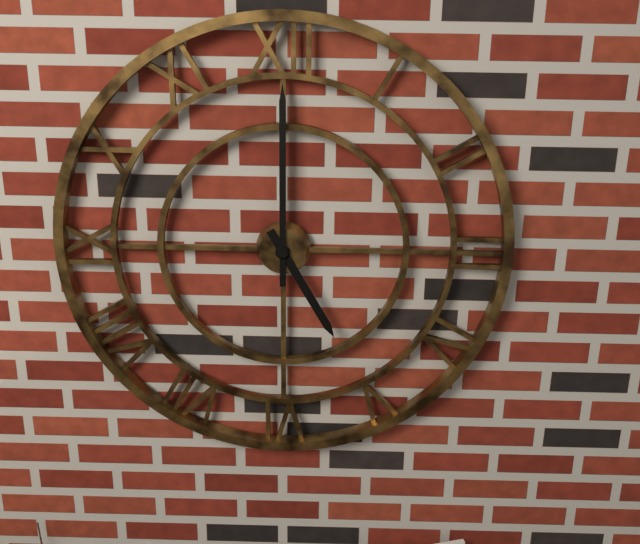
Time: h=5 m=0
